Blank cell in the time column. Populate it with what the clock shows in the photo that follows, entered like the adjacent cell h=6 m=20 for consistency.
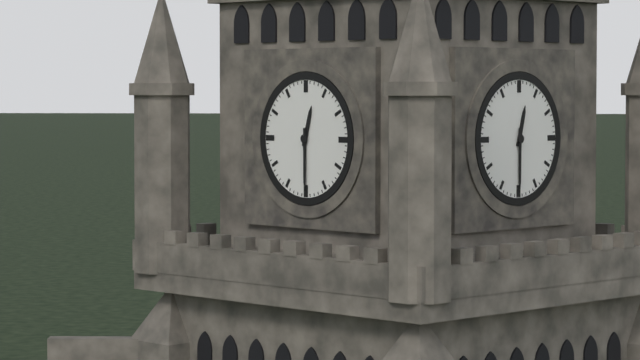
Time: h=12 m=30
